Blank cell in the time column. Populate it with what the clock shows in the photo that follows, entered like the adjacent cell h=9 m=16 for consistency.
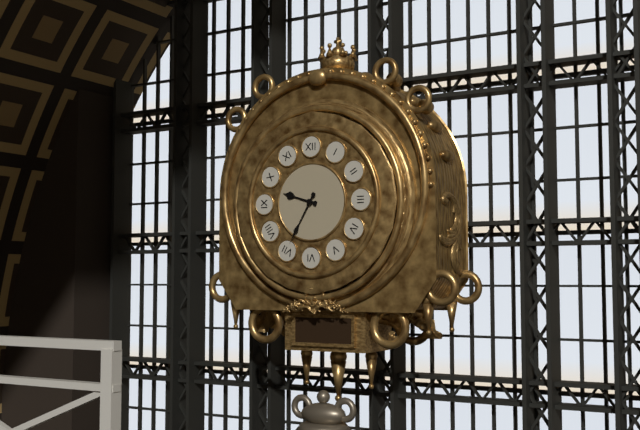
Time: h=9 m=35
